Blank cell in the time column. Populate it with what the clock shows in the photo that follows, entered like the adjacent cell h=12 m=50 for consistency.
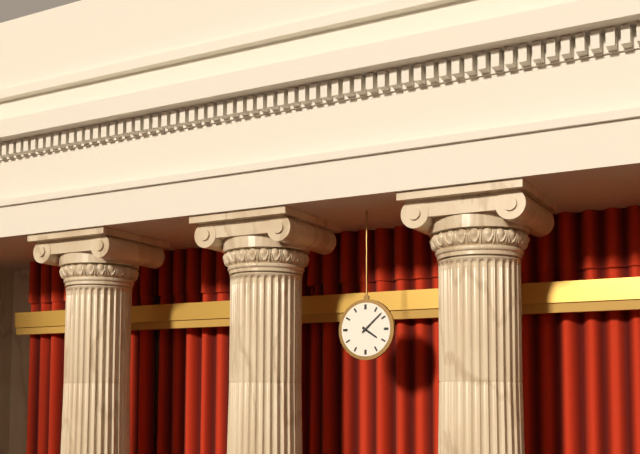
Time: h=4 m=8
